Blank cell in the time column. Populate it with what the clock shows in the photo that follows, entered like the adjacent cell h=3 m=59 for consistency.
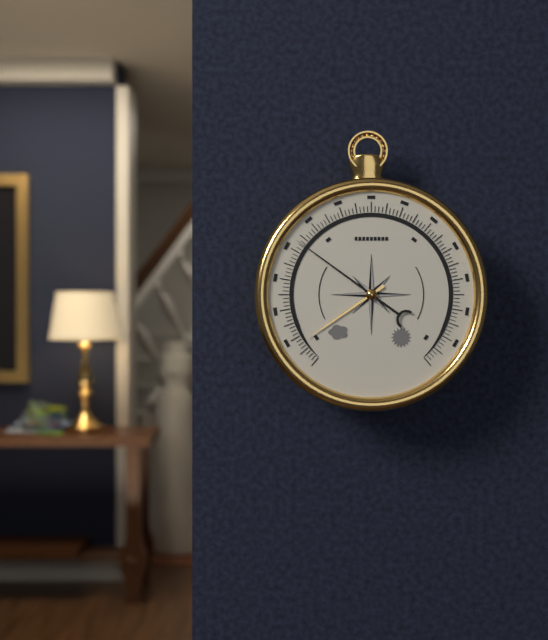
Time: h=7 m=51
